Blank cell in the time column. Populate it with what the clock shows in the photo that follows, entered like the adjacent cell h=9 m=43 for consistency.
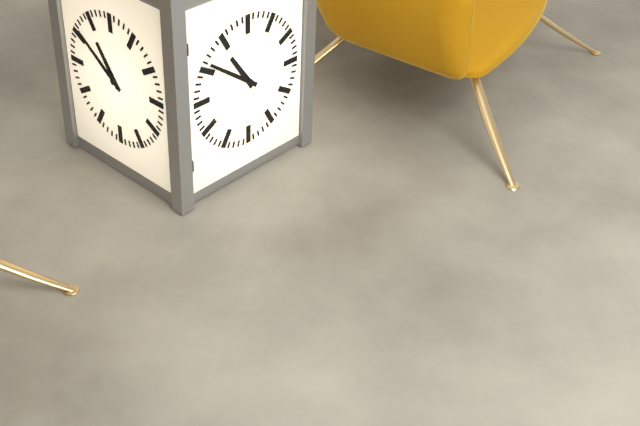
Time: h=10 m=51
